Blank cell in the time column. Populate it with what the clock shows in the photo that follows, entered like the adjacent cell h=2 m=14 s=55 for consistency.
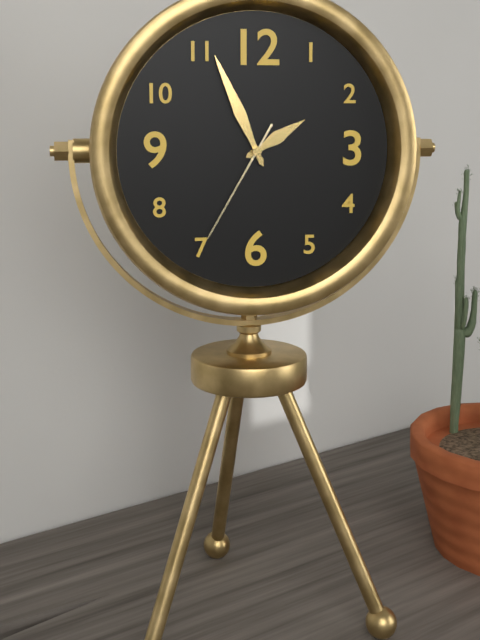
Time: h=1 m=56 s=35
